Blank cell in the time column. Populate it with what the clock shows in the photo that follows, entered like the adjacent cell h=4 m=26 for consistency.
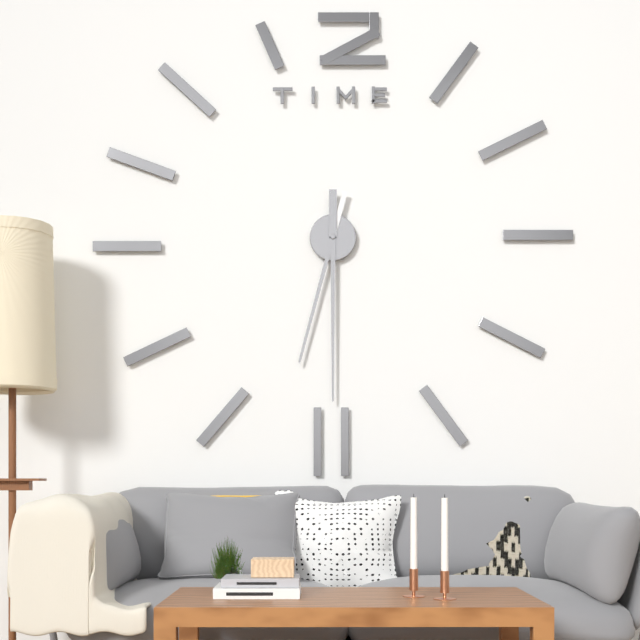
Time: h=6 m=30
